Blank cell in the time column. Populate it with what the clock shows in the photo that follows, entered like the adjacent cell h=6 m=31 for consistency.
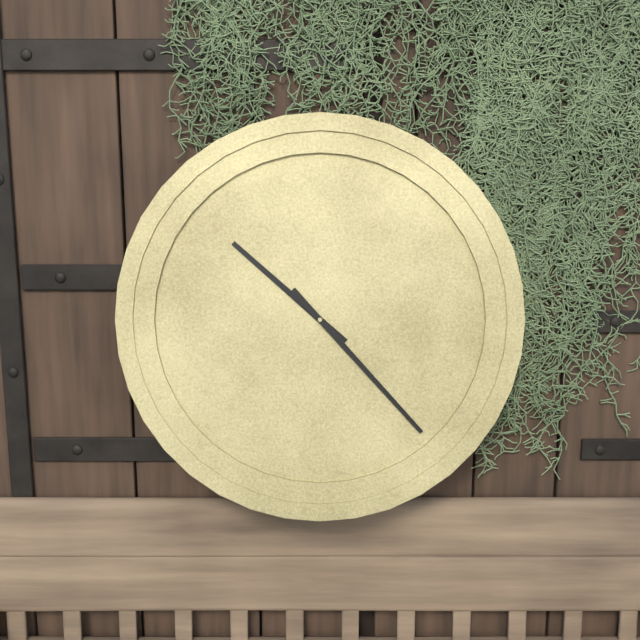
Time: h=10 m=23
